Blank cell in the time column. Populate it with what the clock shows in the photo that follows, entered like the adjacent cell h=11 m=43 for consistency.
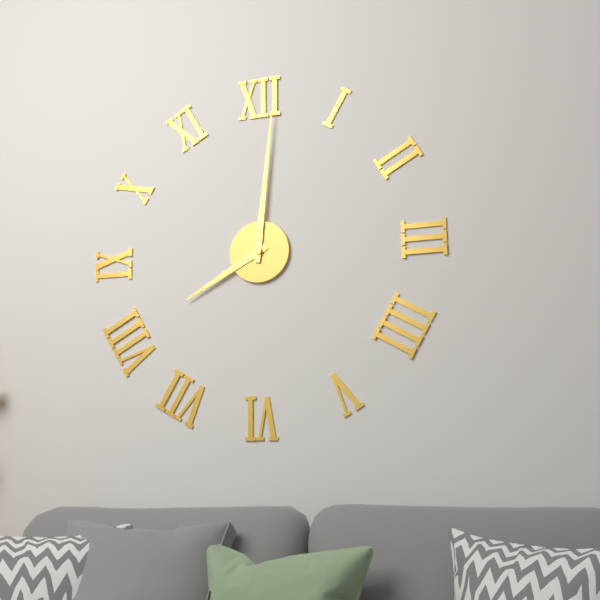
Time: h=8 m=1
